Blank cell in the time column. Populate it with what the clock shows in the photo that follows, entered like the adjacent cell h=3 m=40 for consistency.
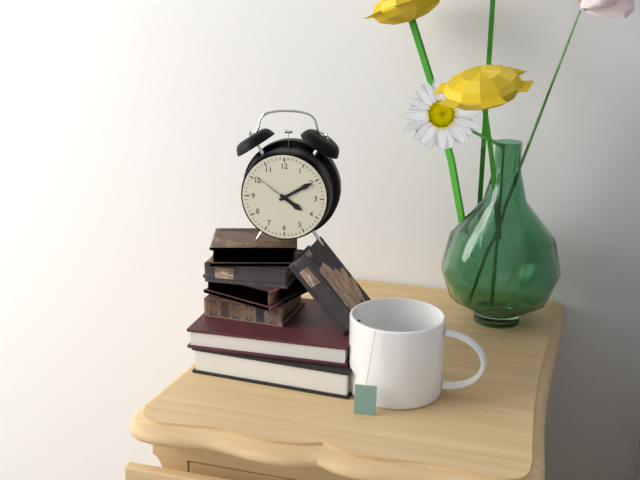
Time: h=4 m=10
